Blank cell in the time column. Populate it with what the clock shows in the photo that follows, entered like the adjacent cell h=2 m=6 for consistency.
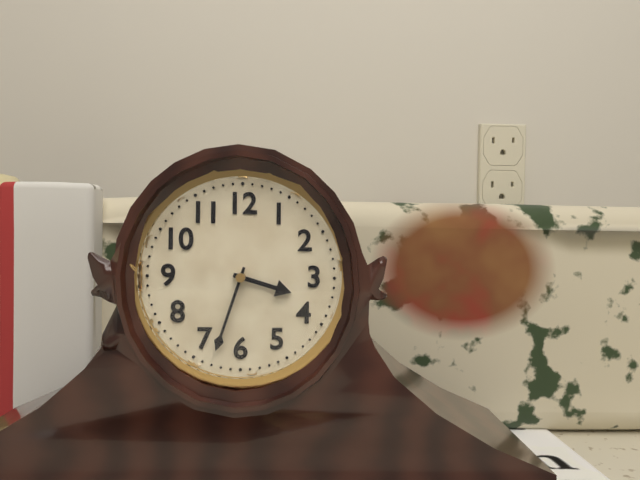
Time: h=3 m=33
